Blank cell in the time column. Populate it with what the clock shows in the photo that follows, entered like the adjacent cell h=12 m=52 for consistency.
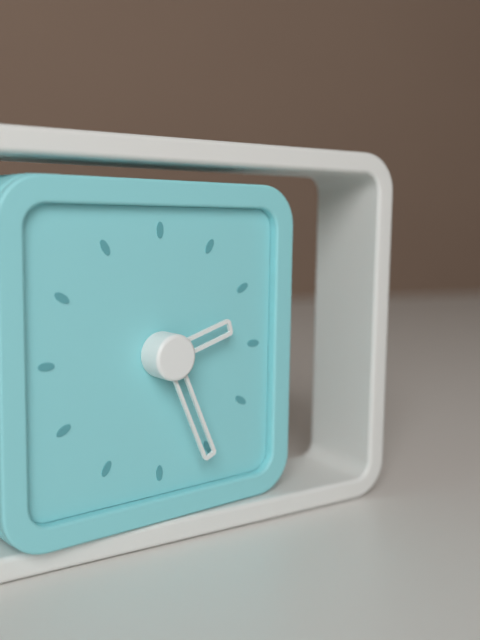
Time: h=2 m=26
